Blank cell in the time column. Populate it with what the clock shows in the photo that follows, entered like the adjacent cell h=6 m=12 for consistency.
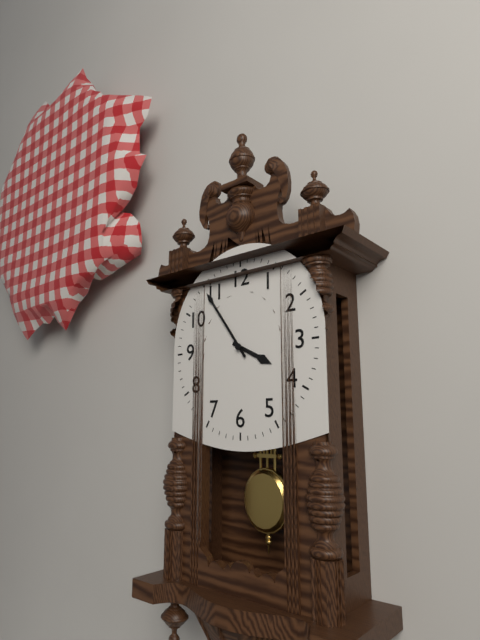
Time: h=3 m=54
